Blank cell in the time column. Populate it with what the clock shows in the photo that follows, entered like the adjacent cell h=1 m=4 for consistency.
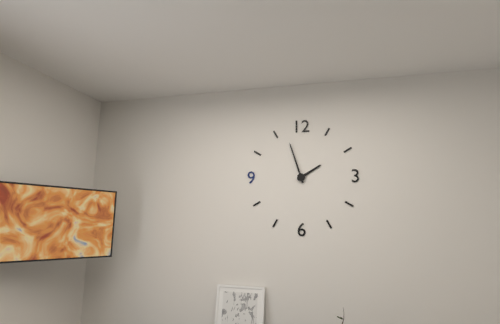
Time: h=1 m=57
